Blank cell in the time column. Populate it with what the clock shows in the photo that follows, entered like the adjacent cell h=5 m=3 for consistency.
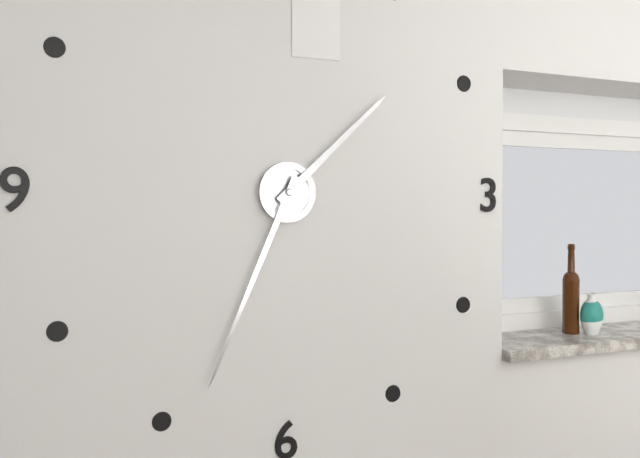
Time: h=1 m=34
